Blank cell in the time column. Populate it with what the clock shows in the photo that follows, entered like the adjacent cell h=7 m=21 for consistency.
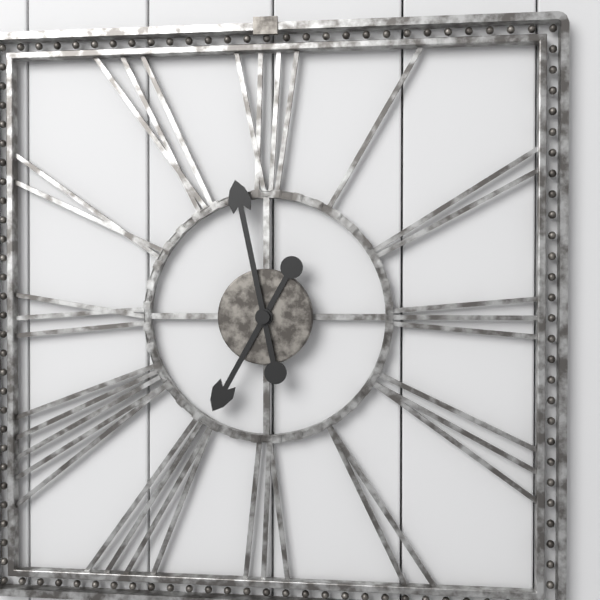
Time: h=6 m=58
